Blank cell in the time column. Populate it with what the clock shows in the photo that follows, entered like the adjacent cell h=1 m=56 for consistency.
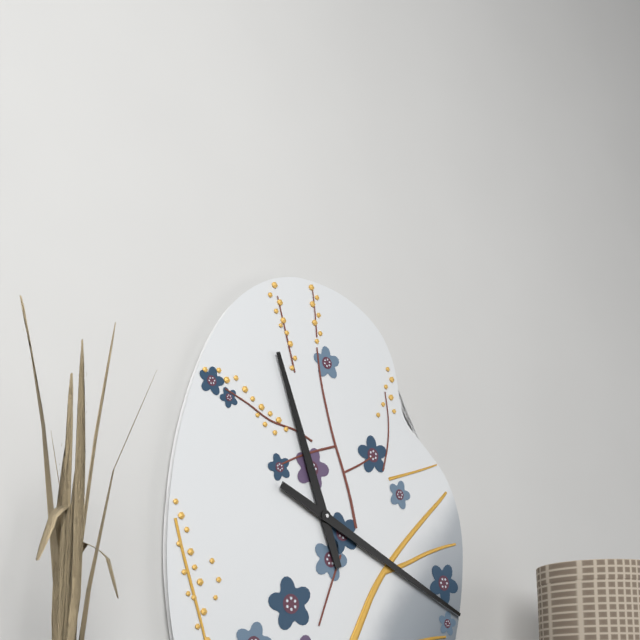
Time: h=11 m=19
